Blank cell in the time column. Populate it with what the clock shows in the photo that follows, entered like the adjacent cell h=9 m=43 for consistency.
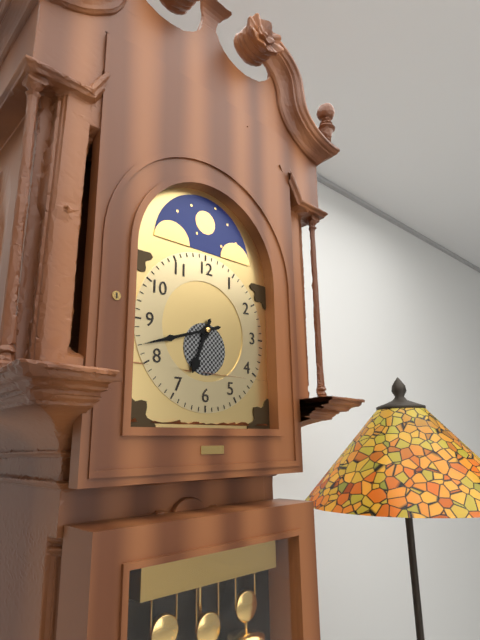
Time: h=6 m=42
